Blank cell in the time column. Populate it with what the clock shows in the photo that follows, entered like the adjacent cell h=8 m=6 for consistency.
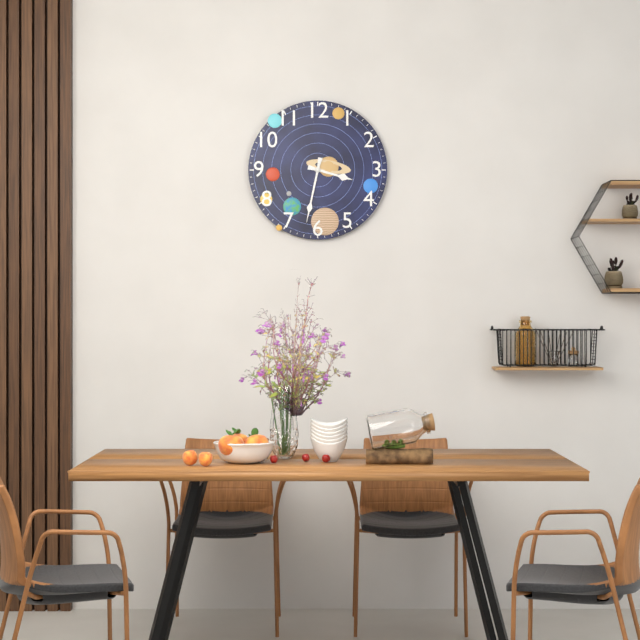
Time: h=3 m=32
